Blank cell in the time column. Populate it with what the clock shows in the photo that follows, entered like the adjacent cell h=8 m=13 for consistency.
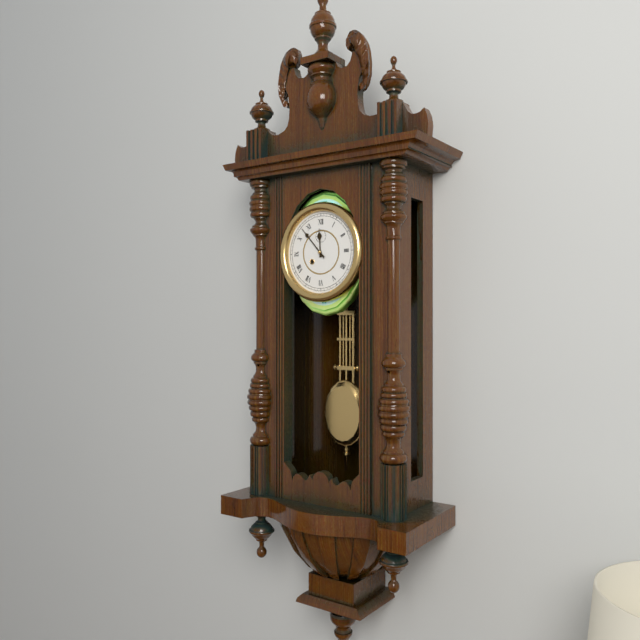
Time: h=11 m=53
